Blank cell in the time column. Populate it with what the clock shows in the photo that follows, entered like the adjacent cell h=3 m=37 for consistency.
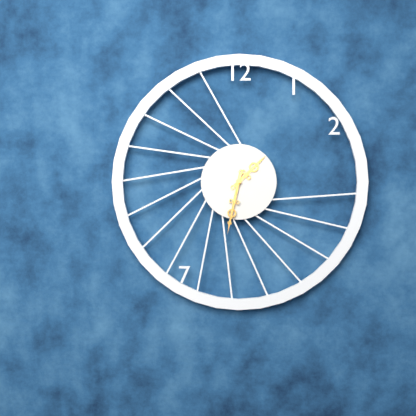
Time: h=1 m=32
